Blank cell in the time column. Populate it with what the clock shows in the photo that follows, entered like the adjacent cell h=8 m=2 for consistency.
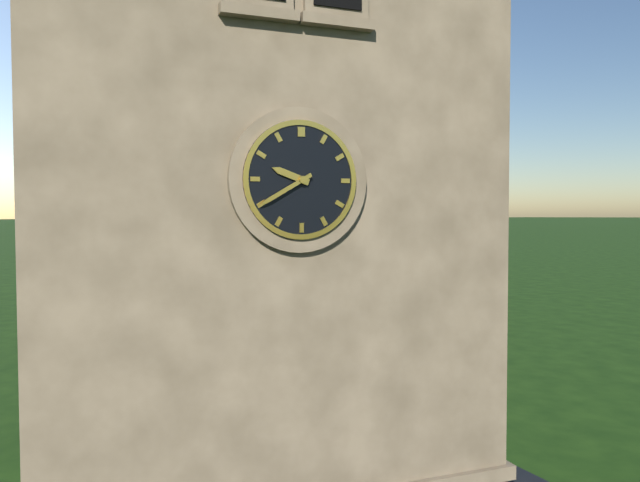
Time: h=9 m=40
